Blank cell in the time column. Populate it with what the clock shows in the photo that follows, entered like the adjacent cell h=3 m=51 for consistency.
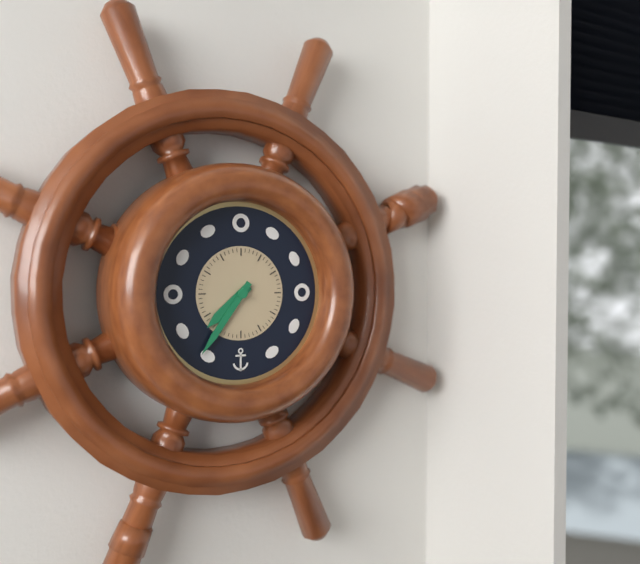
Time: h=7 m=36
